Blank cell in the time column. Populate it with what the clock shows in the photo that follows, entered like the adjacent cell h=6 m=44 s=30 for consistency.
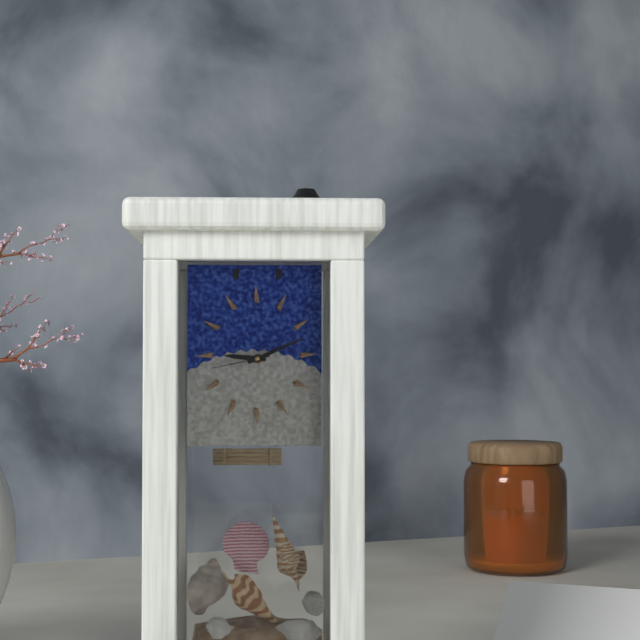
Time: h=9 m=11 s=43
